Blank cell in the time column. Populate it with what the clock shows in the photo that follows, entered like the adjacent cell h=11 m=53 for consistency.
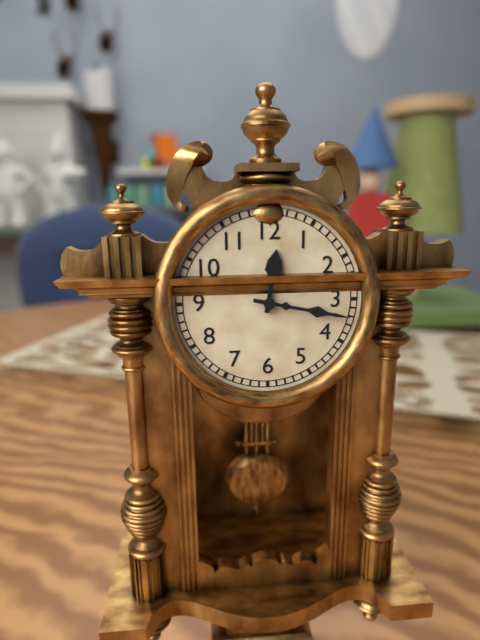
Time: h=12 m=17
